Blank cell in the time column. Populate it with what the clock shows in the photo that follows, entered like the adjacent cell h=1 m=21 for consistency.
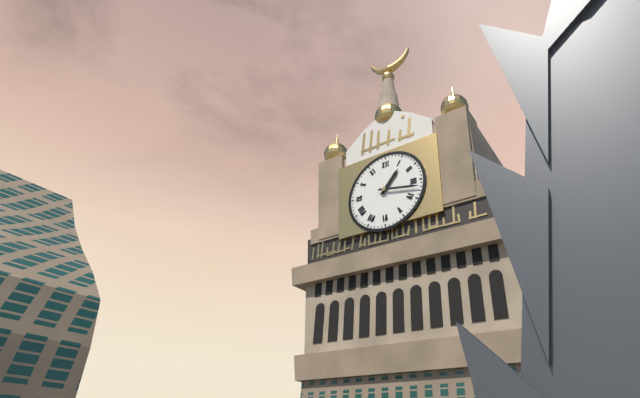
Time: h=1 m=17
